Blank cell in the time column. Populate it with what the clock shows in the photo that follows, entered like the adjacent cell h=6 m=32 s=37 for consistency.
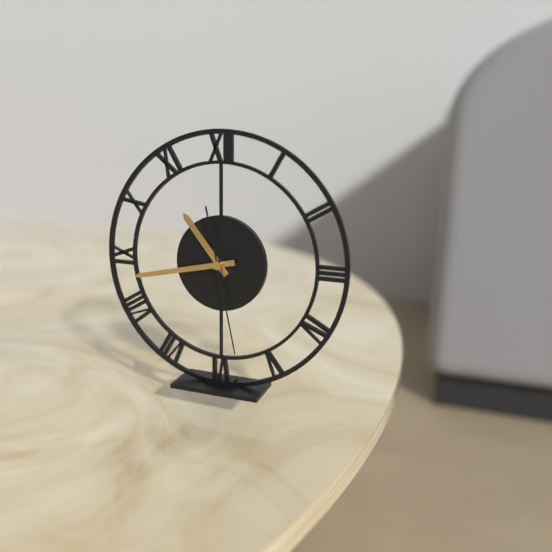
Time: h=10 m=43 s=28
